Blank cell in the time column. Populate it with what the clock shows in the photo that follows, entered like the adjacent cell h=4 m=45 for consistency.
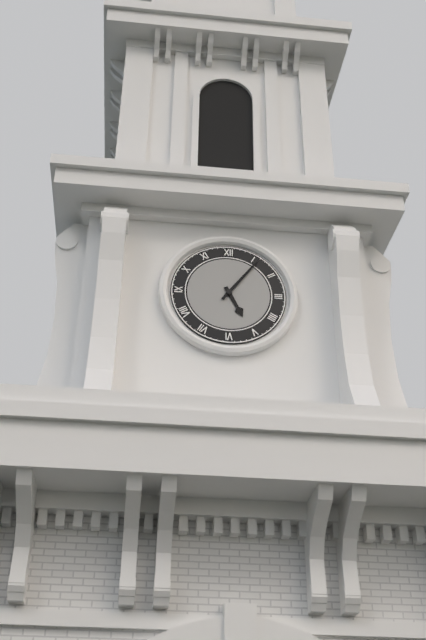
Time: h=5 m=6
